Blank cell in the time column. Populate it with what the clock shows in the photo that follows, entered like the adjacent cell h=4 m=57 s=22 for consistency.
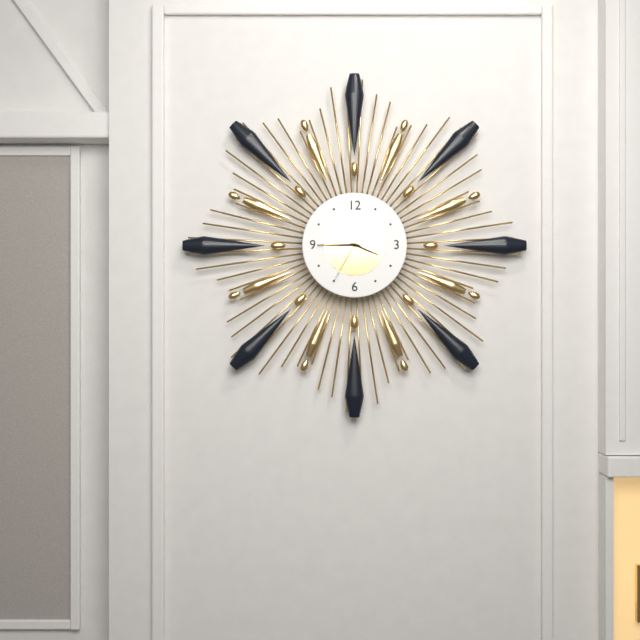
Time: h=3 m=45 s=35
